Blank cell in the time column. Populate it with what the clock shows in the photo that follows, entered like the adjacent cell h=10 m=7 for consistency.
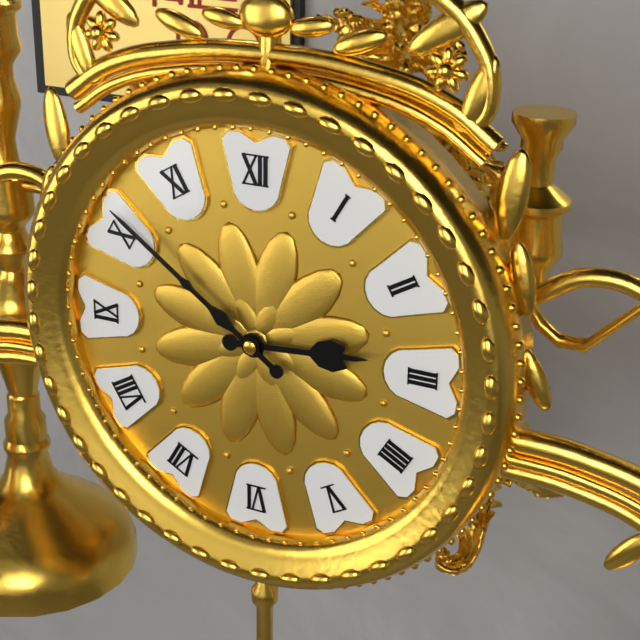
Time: h=2 m=51
